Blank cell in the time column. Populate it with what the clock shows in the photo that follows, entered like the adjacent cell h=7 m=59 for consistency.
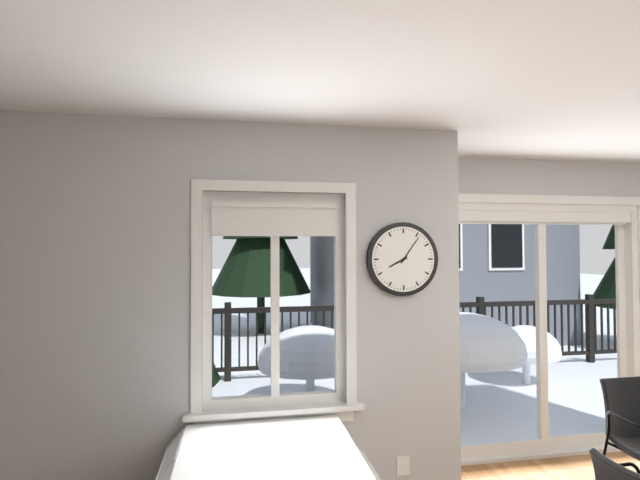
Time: h=8 m=6
